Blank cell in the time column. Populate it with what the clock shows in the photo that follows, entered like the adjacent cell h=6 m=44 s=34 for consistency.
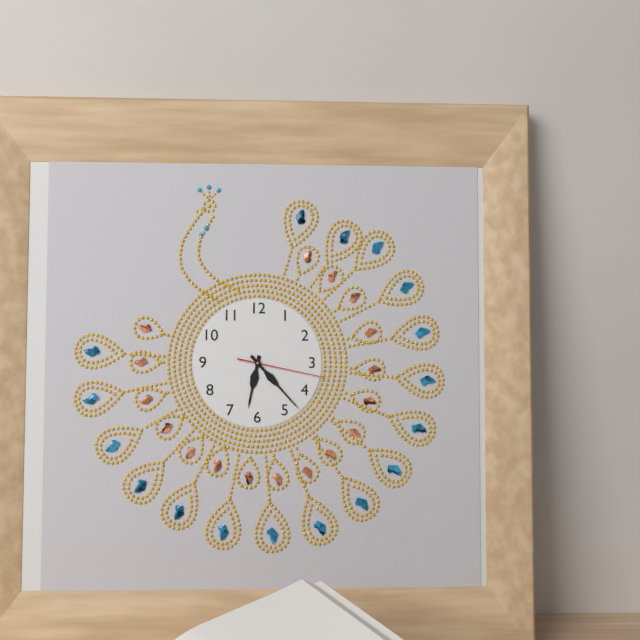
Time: h=6 m=23 s=17
